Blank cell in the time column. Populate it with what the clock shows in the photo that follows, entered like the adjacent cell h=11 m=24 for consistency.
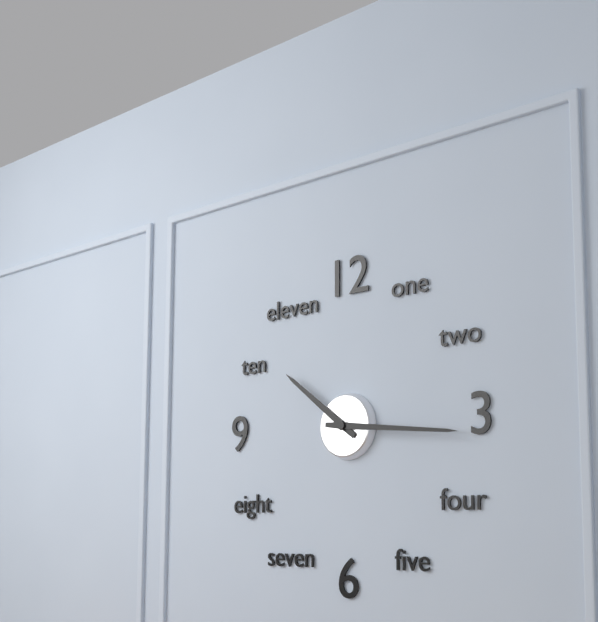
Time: h=10 m=16
